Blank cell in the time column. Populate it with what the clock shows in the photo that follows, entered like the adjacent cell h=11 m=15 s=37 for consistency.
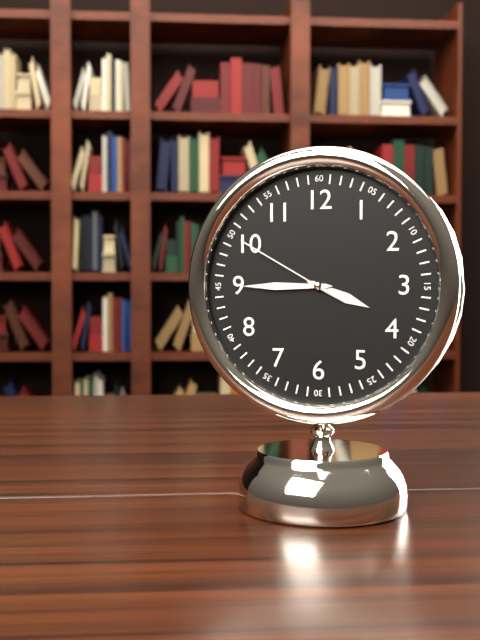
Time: h=3 m=45 s=50
